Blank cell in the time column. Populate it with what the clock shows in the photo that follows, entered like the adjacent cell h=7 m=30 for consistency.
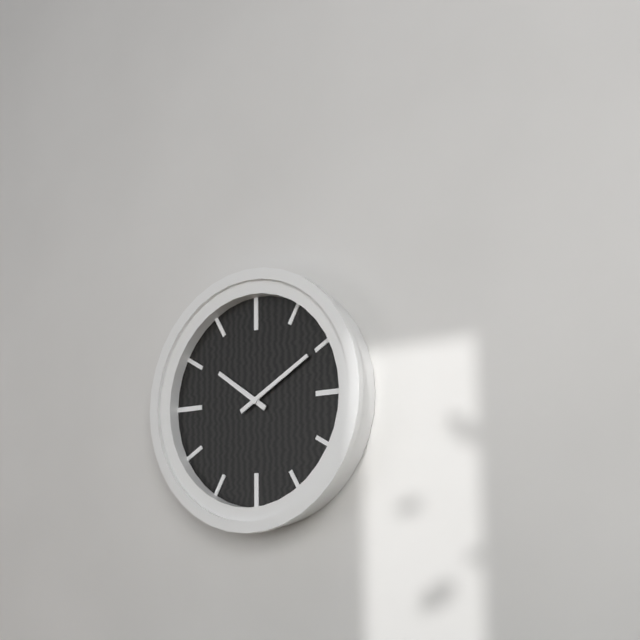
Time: h=10 m=10
